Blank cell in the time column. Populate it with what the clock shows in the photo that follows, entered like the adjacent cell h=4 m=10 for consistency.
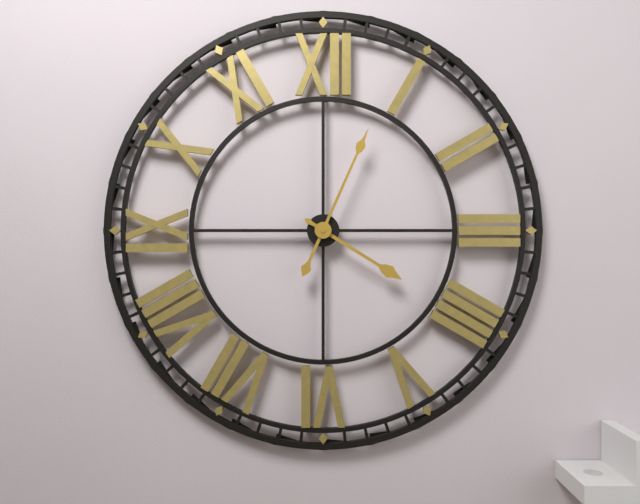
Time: h=4 m=4
